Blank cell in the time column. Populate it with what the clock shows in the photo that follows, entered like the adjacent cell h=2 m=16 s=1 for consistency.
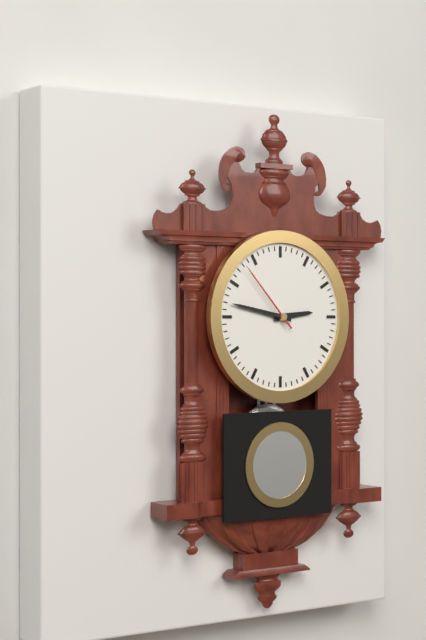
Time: h=2 m=47 s=53
